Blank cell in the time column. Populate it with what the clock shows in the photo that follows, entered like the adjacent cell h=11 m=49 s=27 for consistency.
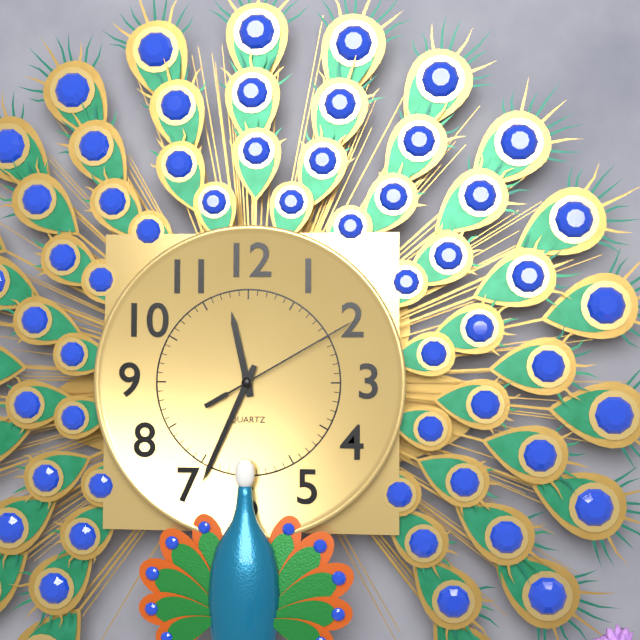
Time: h=11 m=34 s=10
